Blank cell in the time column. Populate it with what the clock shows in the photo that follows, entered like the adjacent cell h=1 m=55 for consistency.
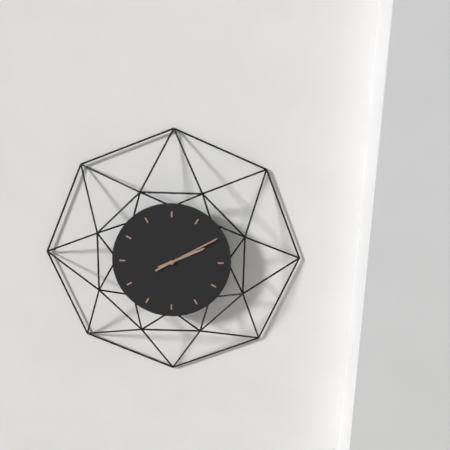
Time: h=2 m=10
